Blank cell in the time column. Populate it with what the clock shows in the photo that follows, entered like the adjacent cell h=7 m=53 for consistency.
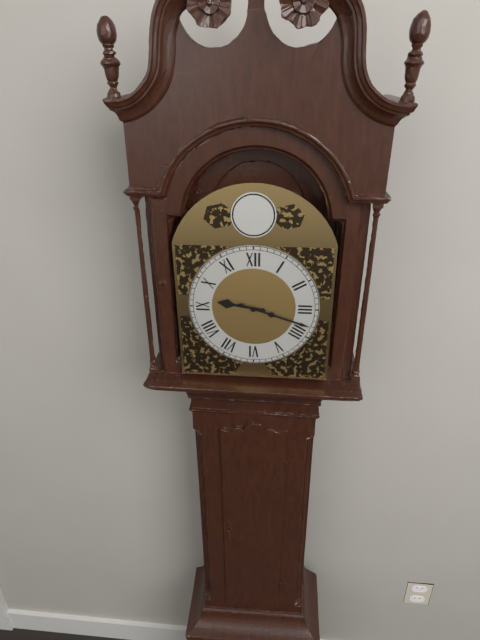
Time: h=9 m=18
